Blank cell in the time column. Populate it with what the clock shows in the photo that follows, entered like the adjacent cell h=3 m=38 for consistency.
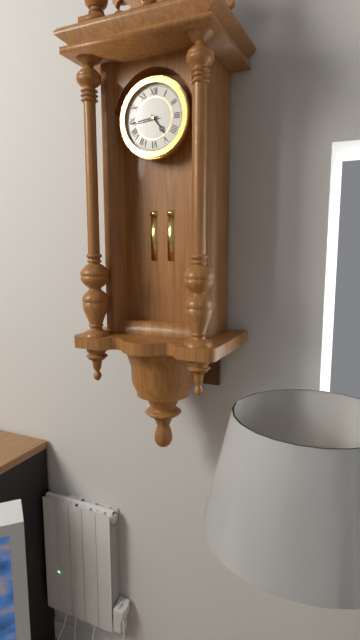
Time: h=4 m=44
